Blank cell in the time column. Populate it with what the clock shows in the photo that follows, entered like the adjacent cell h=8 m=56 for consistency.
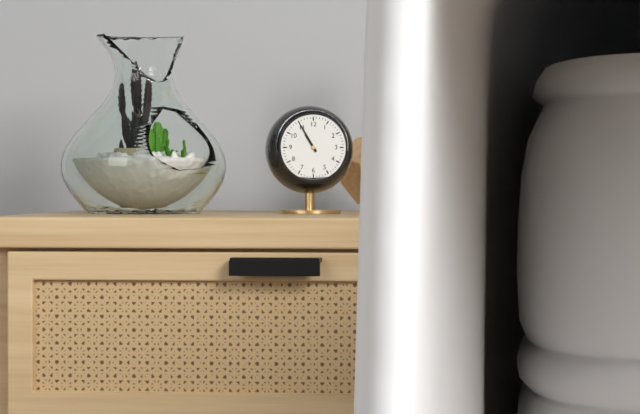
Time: h=10 m=55
